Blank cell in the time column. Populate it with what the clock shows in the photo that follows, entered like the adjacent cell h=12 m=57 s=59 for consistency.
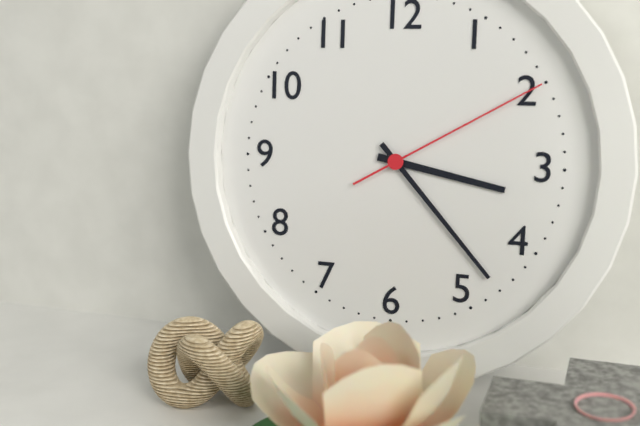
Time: h=3 m=23 s=10
